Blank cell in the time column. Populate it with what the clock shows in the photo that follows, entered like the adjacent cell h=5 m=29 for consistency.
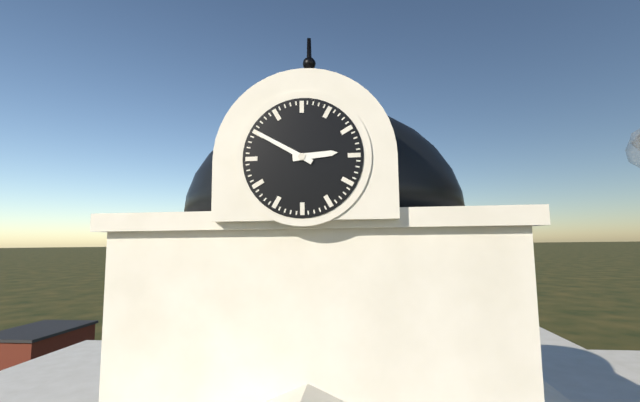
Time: h=2 m=50
